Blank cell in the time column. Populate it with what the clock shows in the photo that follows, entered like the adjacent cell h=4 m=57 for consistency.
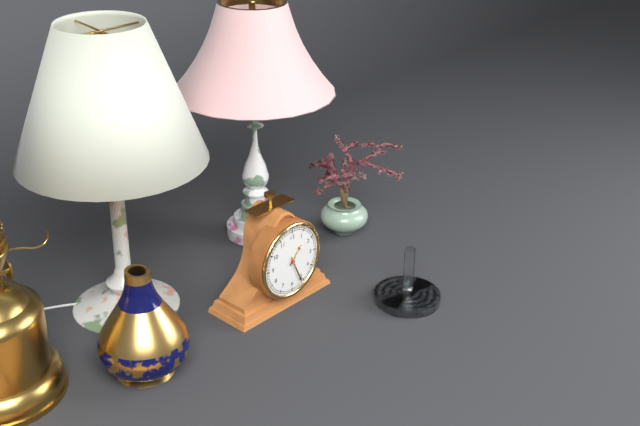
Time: h=1 m=26
